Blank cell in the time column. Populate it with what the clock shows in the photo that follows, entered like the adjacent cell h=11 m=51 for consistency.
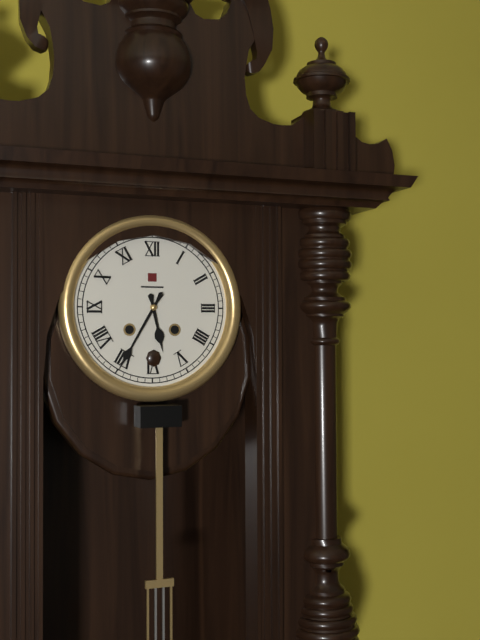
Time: h=5 m=35
